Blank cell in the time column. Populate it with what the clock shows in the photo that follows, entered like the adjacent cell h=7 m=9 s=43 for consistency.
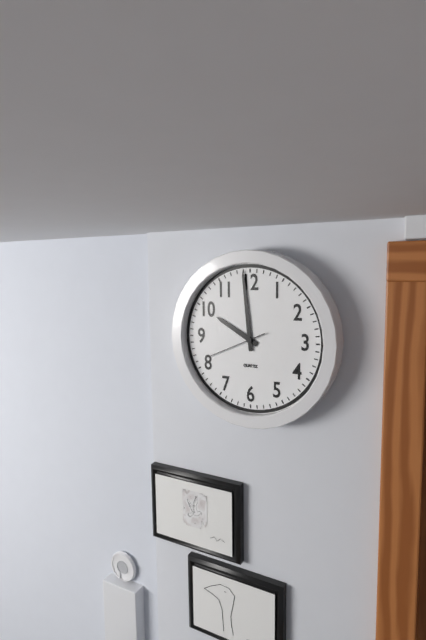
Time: h=9 m=59 s=41
